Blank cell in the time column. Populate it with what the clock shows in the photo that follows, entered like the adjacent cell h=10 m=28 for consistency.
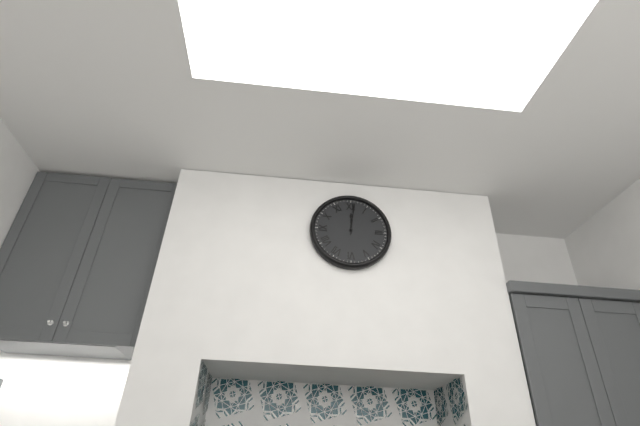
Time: h=12 m=1
